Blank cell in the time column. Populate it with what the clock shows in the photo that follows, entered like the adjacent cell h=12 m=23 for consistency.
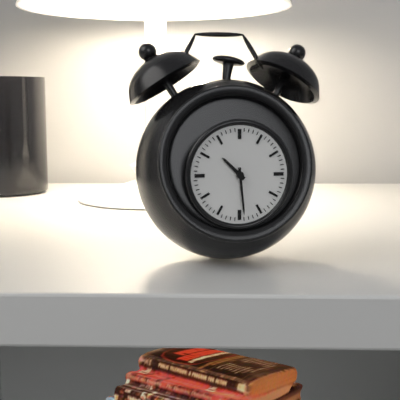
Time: h=10 m=29
